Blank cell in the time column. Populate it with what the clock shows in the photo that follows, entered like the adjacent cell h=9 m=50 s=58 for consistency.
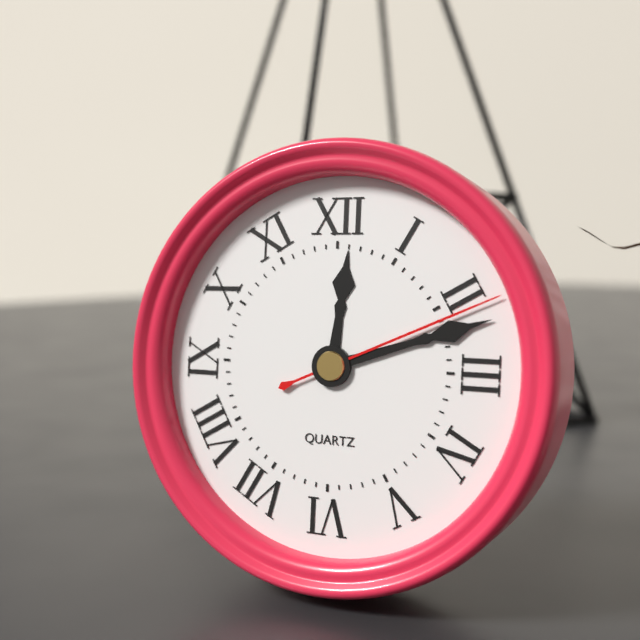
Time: h=12 m=12 s=11
